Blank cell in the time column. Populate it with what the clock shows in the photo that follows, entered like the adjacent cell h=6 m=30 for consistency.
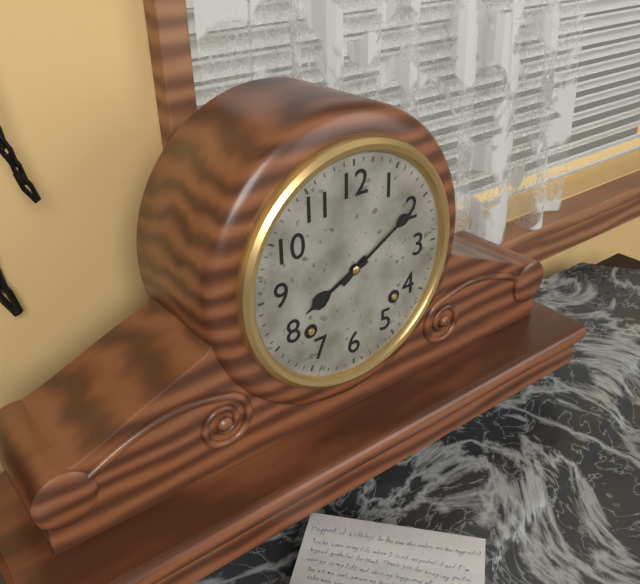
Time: h=8 m=10
